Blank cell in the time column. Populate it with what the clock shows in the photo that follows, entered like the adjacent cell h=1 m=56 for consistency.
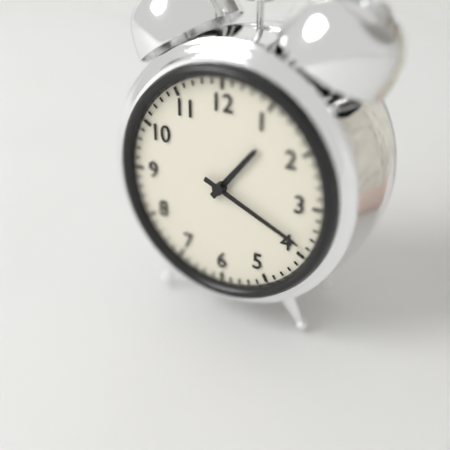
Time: h=1 m=19
